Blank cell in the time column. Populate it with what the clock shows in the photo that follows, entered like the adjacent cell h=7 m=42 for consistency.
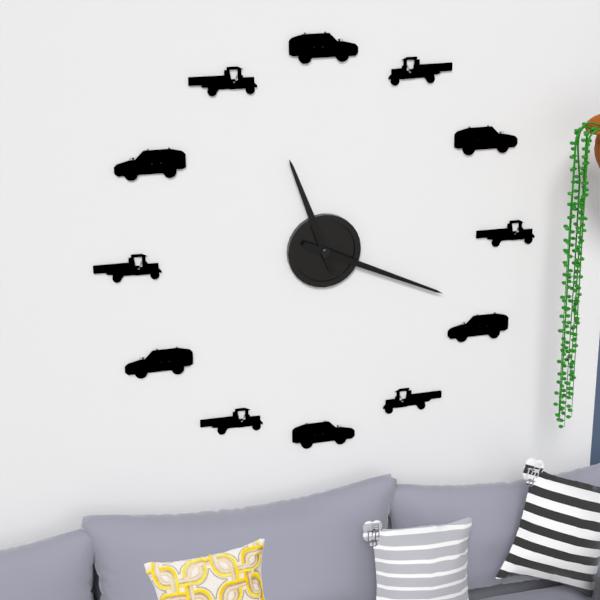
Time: h=11 m=19
